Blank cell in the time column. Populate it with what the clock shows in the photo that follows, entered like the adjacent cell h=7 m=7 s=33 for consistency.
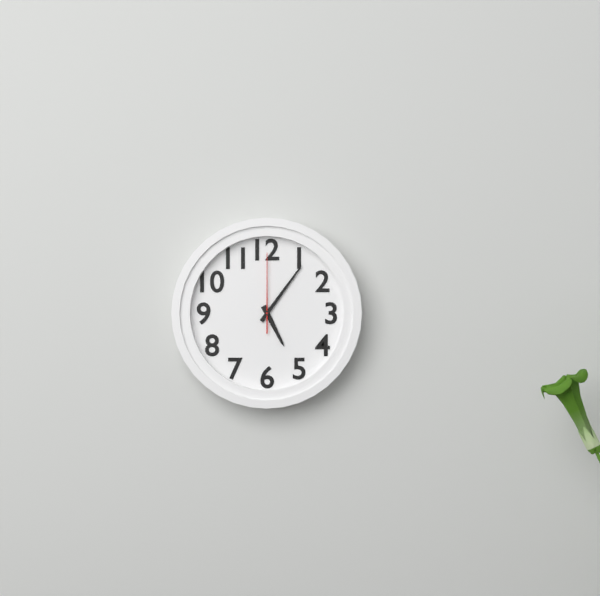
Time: h=5 m=6 s=0
